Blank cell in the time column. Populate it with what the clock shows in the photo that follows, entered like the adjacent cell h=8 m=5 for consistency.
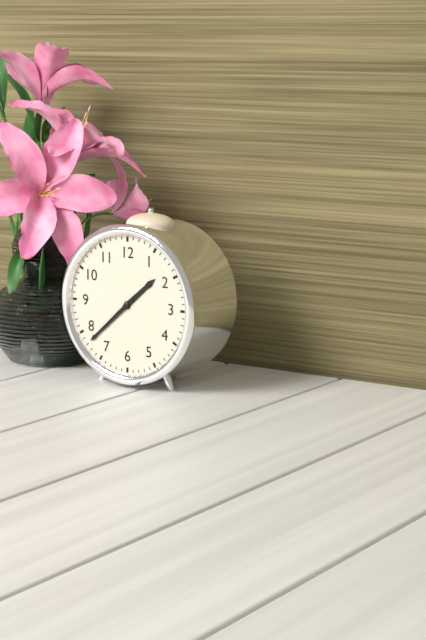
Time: h=1 m=38
